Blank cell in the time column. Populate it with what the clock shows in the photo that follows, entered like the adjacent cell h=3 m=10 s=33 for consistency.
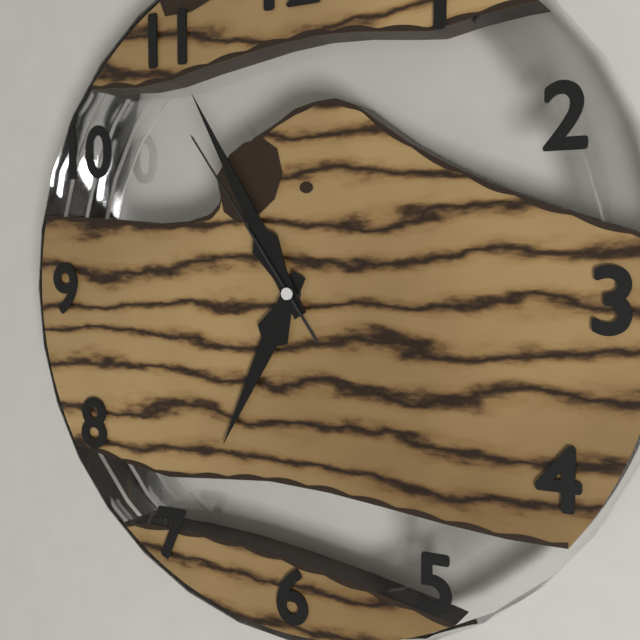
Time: h=6 m=55 s=54
